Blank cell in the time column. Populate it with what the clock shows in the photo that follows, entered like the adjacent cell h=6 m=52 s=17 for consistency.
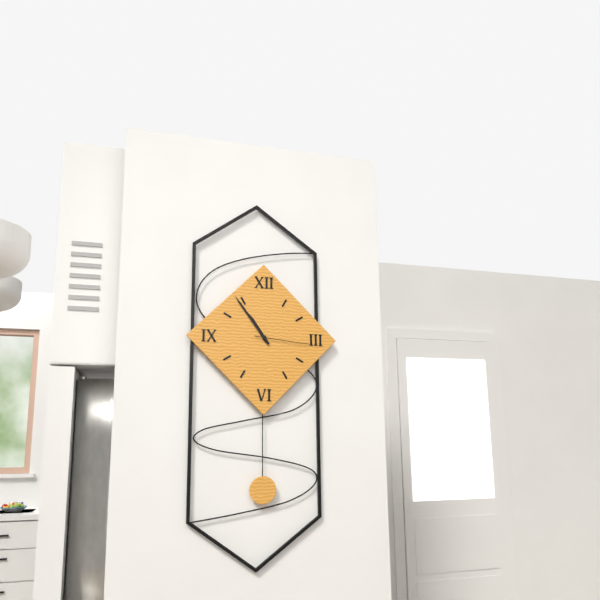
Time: h=10 m=54 s=16
